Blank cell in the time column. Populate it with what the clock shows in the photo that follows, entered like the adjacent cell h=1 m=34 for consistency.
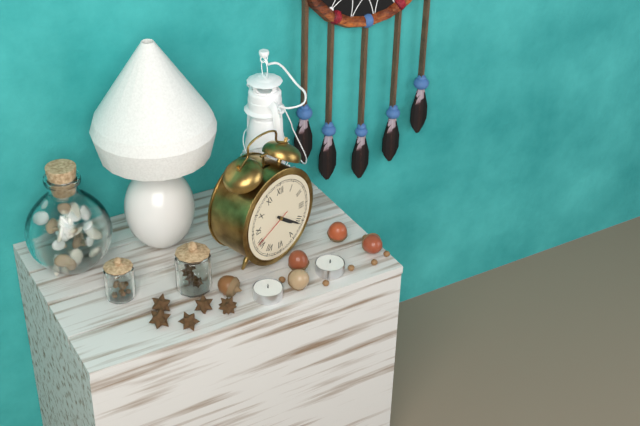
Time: h=4 m=21
